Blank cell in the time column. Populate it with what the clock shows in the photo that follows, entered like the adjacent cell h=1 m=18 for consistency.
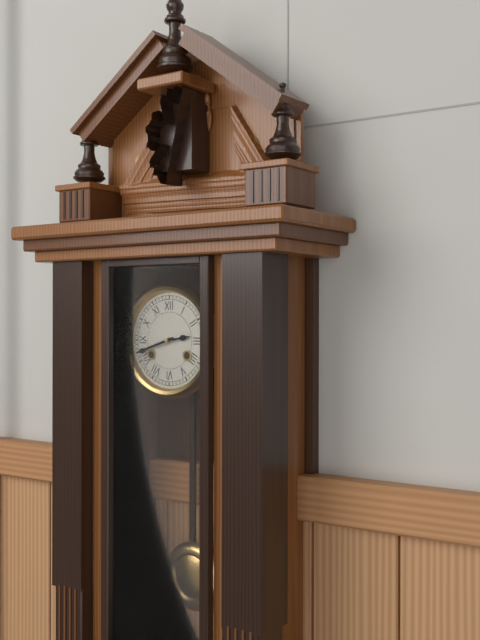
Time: h=2 m=42
